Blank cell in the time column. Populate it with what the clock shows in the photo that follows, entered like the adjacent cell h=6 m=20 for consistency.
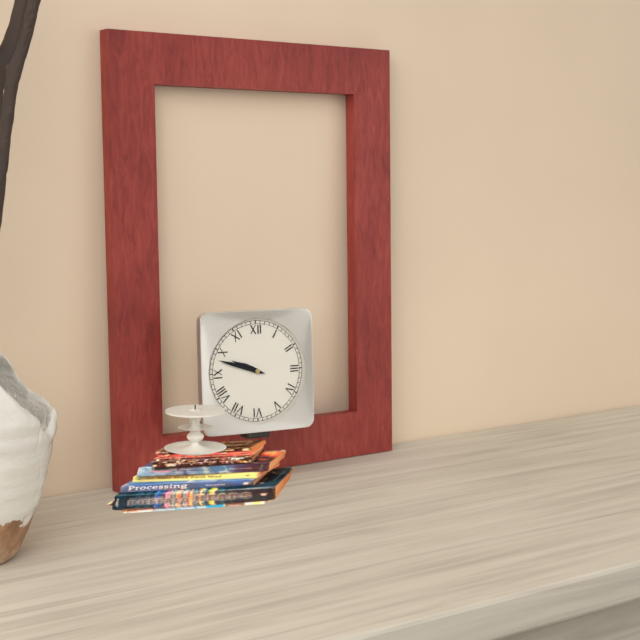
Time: h=9 m=48
